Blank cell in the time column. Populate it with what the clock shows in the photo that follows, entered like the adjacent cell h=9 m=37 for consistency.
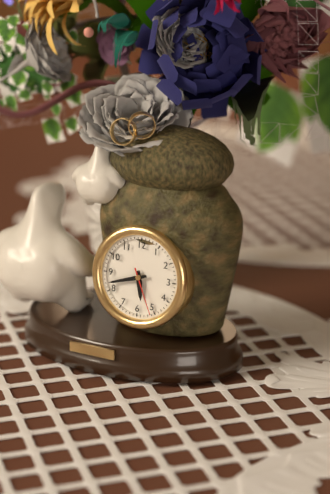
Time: h=5 m=42
